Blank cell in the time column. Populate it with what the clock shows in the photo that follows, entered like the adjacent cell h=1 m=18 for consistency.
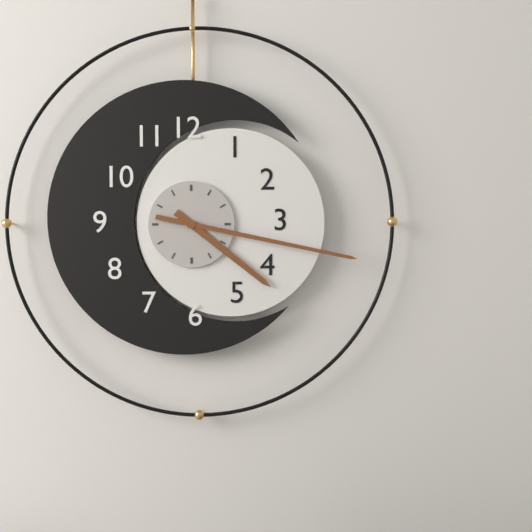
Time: h=4 m=17
